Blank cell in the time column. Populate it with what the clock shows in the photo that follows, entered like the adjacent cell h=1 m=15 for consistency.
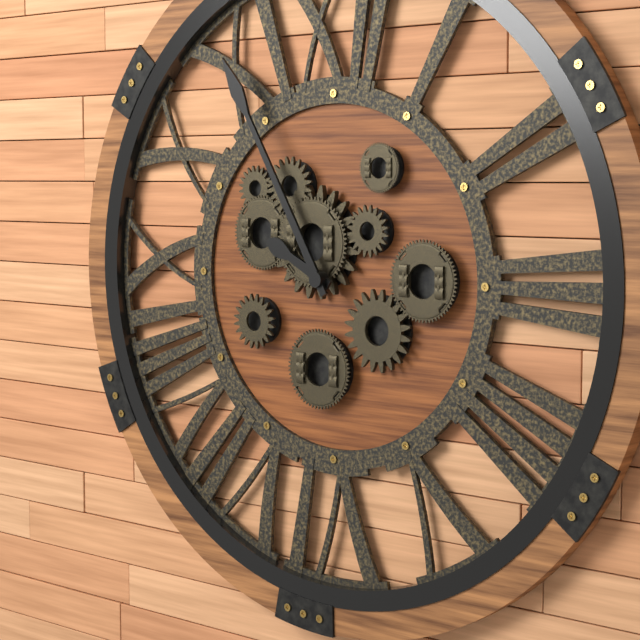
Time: h=9 m=55
